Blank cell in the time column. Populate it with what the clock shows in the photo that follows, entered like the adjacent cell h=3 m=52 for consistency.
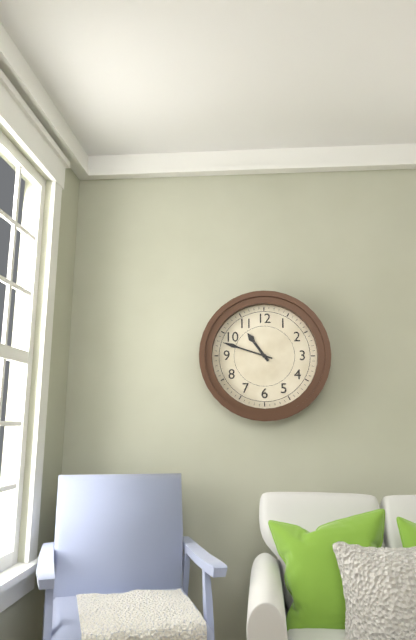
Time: h=10 m=48
